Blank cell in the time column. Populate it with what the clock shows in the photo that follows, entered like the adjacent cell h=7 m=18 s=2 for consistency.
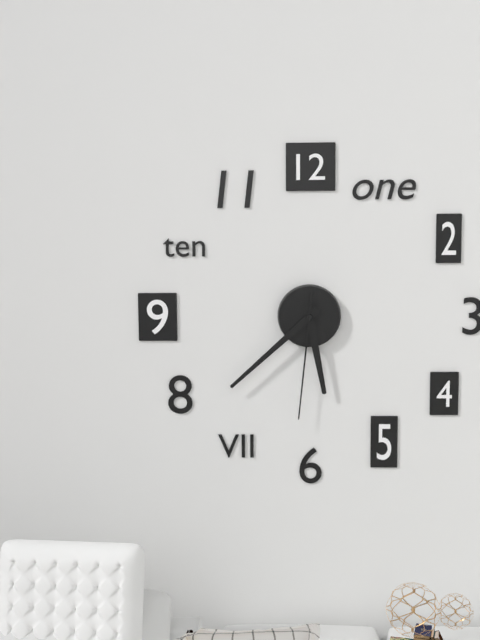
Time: h=5 m=38 s=31
